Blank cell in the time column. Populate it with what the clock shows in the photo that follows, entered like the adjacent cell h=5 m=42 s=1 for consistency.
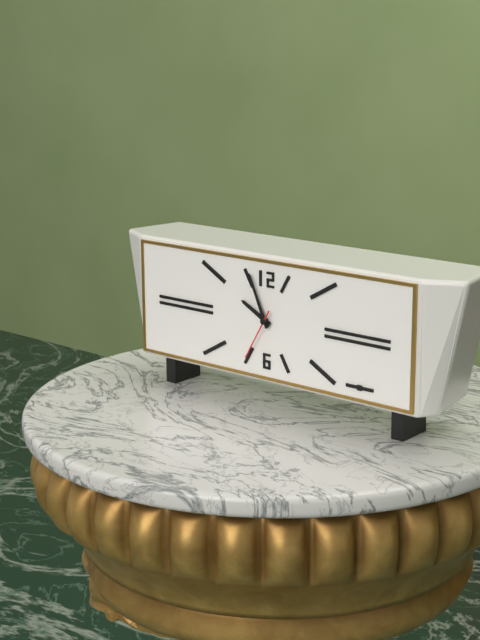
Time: h=9 m=56 s=35
